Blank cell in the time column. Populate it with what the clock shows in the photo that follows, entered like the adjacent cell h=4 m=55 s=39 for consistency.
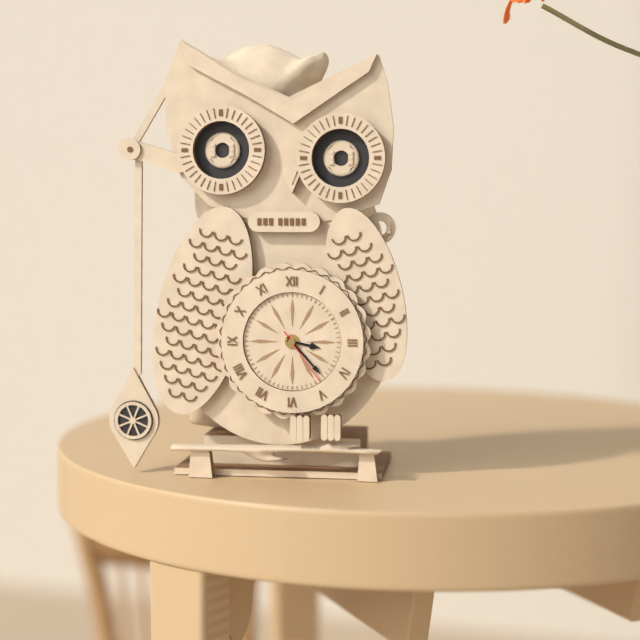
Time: h=3 m=23 s=24
